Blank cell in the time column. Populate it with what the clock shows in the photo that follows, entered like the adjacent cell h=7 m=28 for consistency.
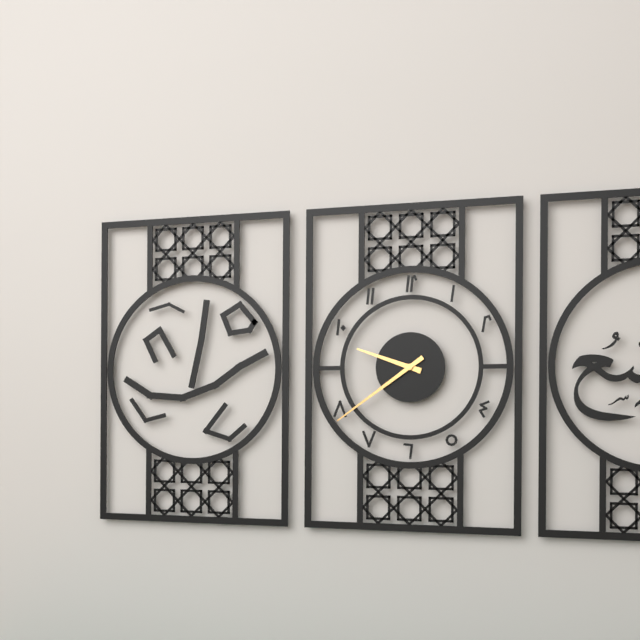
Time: h=9 m=39
